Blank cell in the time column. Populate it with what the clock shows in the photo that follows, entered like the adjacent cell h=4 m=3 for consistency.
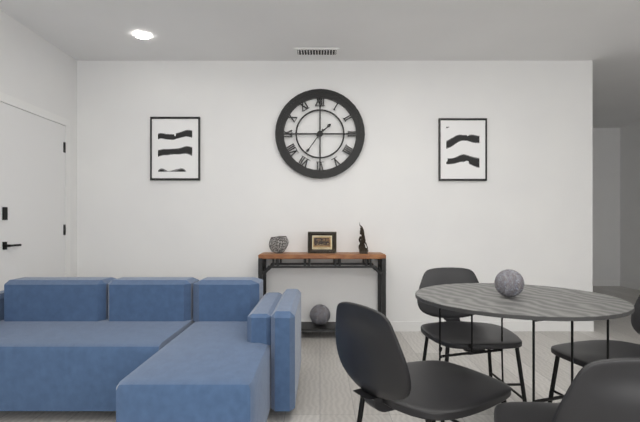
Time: h=1 m=36
